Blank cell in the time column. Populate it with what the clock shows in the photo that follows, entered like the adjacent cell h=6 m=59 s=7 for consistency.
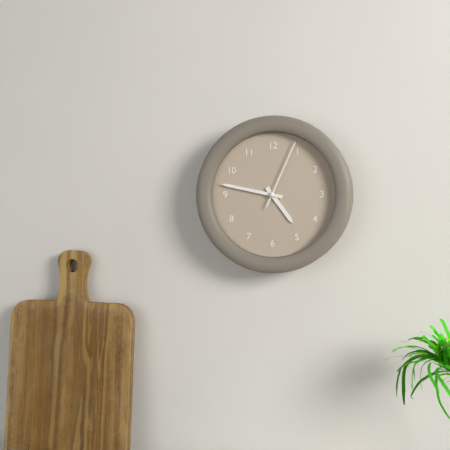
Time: h=4 m=47 s=4
